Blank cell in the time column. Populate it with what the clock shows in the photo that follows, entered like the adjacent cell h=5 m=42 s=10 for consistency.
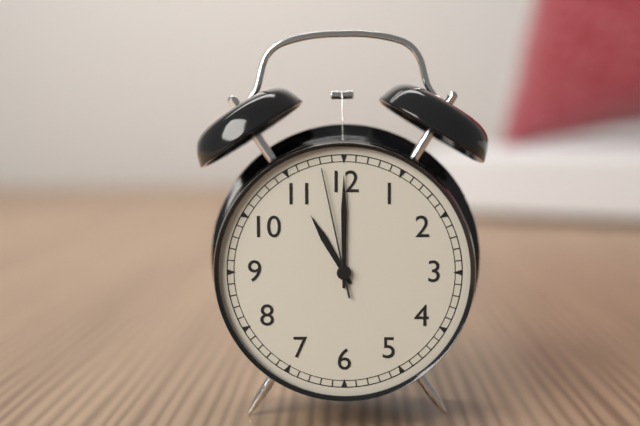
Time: h=11 m=0 s=58
